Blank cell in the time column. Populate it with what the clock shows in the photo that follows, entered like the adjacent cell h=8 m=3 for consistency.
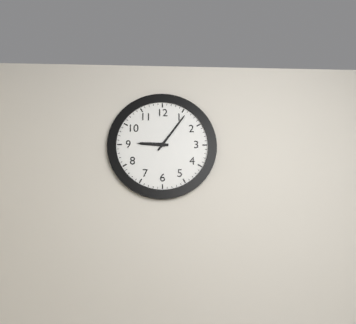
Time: h=9 m=6
